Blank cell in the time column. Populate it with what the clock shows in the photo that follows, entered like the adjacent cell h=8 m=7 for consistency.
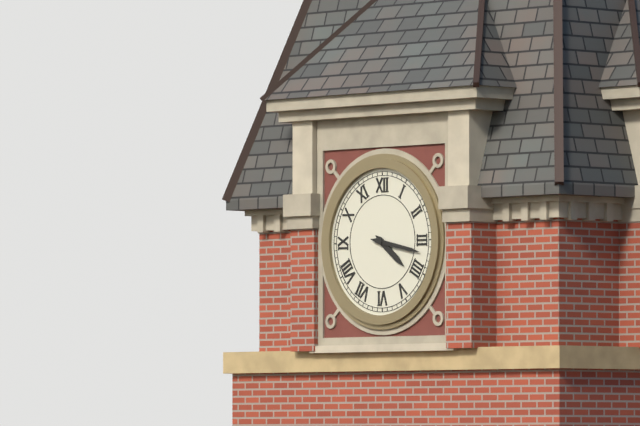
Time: h=4 m=17
